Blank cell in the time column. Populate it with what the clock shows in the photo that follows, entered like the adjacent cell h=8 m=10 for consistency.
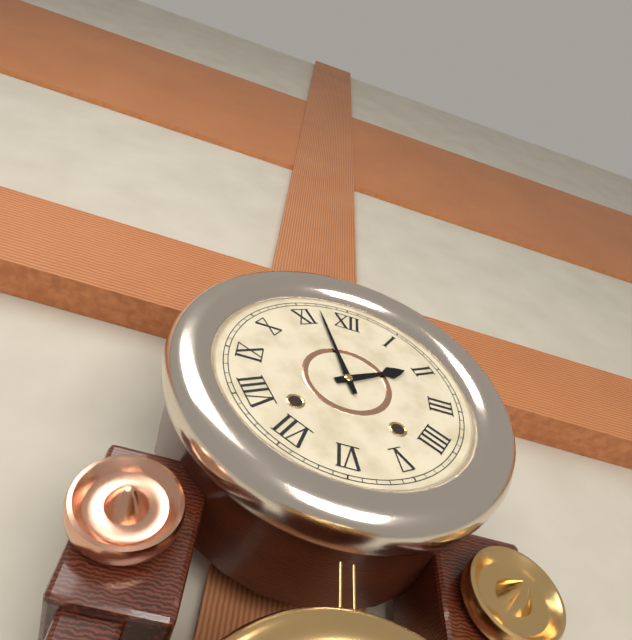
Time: h=1 m=57
